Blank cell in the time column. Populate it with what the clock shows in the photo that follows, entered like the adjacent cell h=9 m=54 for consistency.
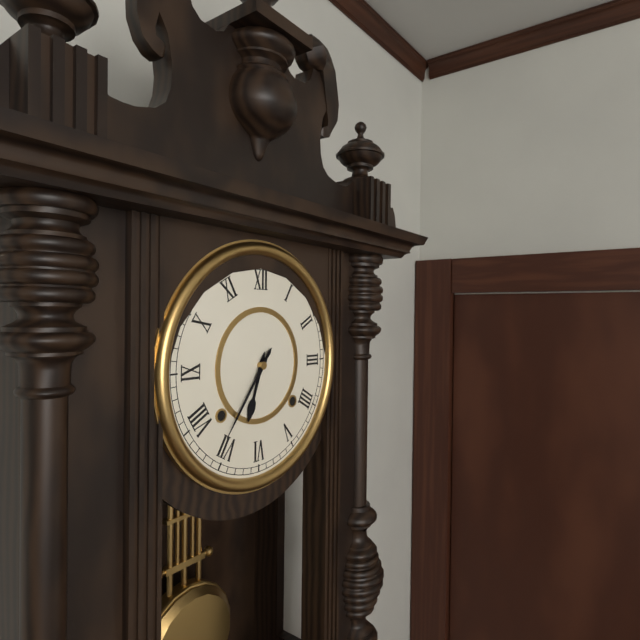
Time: h=6 m=36
